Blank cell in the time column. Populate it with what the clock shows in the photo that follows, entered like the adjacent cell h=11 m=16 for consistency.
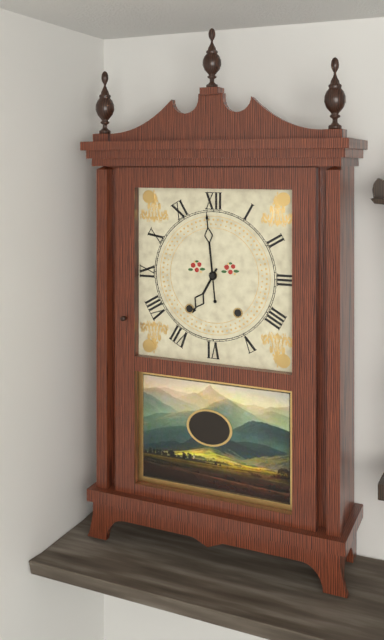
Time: h=6 m=59
